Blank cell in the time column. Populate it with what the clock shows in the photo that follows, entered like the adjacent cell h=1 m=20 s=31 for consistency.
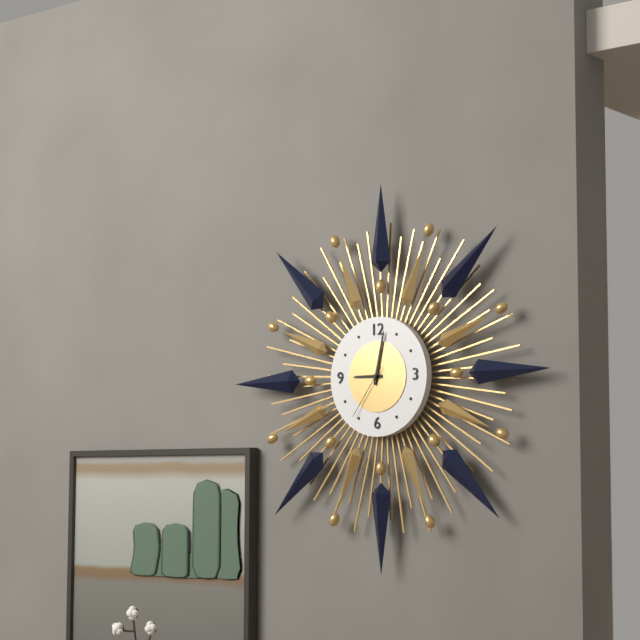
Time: h=9 m=2 s=36
